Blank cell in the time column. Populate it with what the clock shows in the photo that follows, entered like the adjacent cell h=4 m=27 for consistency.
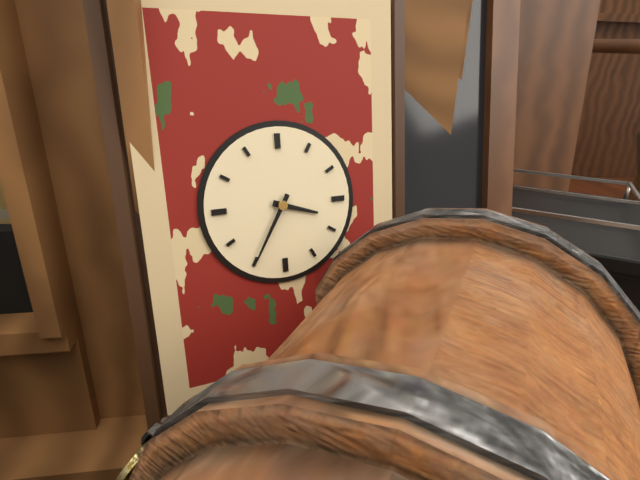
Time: h=3 m=35
